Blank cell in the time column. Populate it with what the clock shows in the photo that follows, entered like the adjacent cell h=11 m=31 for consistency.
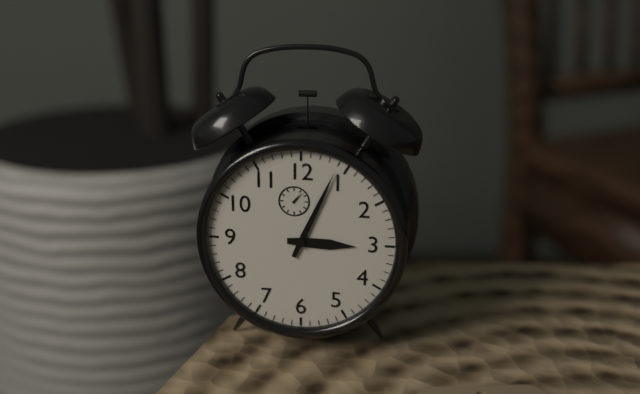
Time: h=3 m=4
